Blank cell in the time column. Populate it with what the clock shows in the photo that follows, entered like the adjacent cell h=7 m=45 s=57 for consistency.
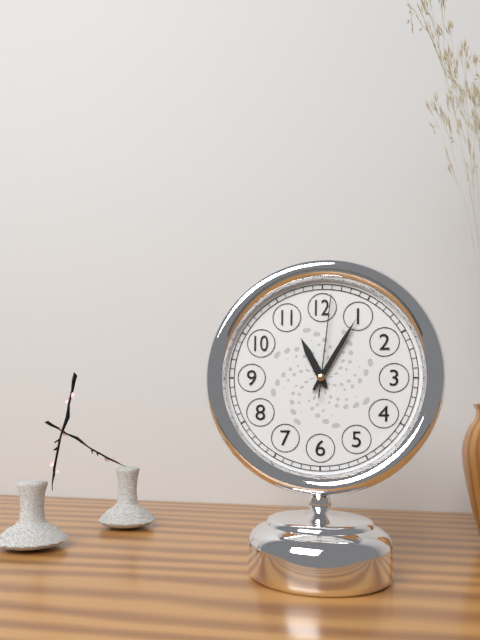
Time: h=11 m=5 s=1
